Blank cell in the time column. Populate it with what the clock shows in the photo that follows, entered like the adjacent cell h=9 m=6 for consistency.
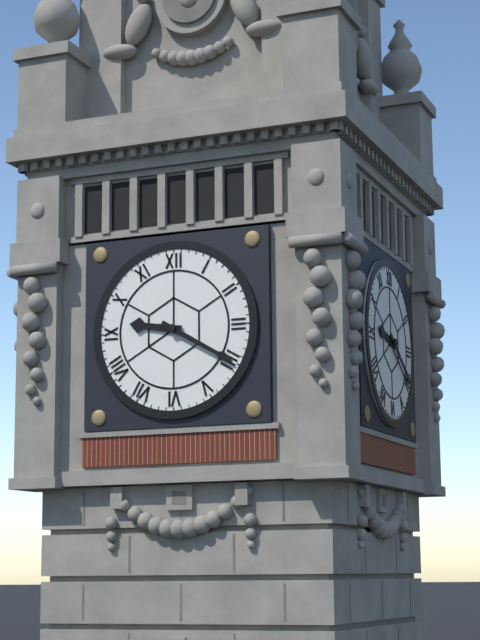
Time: h=9 m=20
